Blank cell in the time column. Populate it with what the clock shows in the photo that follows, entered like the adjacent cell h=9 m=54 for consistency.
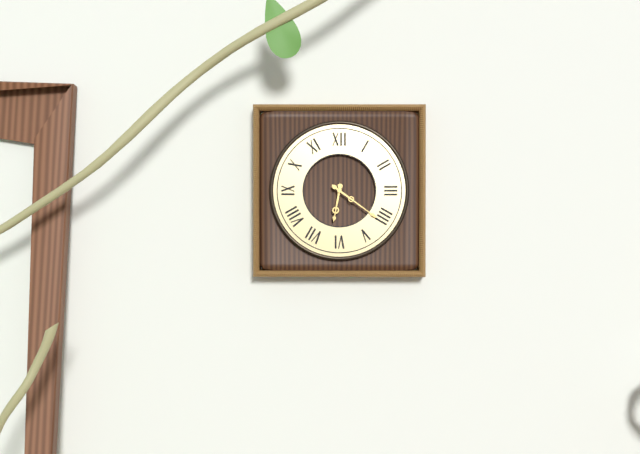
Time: h=6 m=21
